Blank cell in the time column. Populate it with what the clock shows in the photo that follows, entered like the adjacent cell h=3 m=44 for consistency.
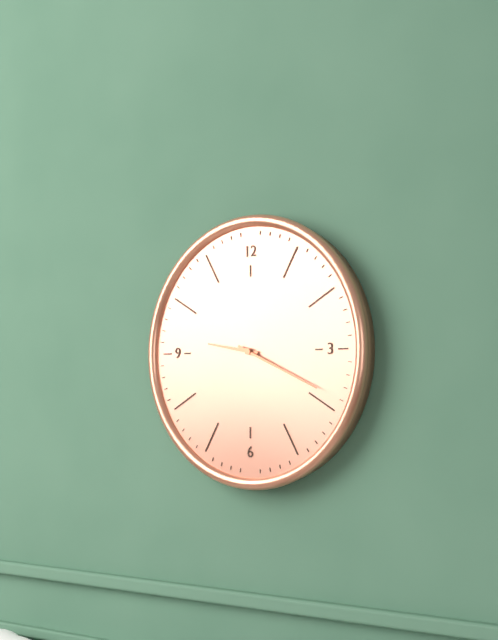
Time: h=9 m=19
